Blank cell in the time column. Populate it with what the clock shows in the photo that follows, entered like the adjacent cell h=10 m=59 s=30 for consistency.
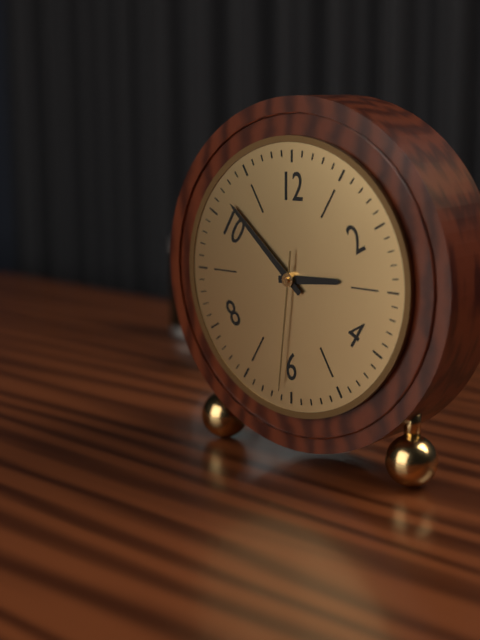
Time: h=2 m=52 s=31
